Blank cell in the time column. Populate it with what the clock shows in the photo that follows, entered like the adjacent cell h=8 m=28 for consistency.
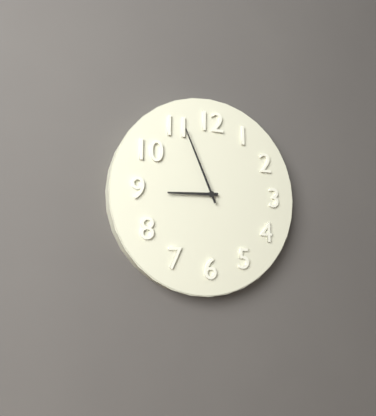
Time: h=8 m=56
